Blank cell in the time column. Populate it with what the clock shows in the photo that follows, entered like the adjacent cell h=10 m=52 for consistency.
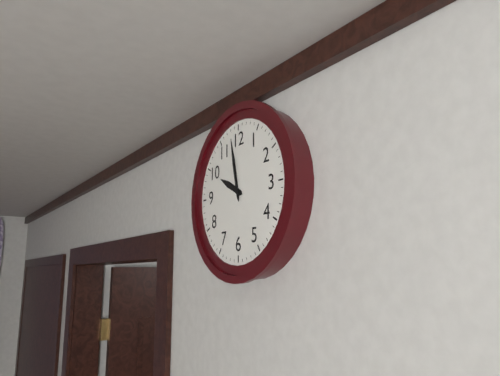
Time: h=9 m=58
